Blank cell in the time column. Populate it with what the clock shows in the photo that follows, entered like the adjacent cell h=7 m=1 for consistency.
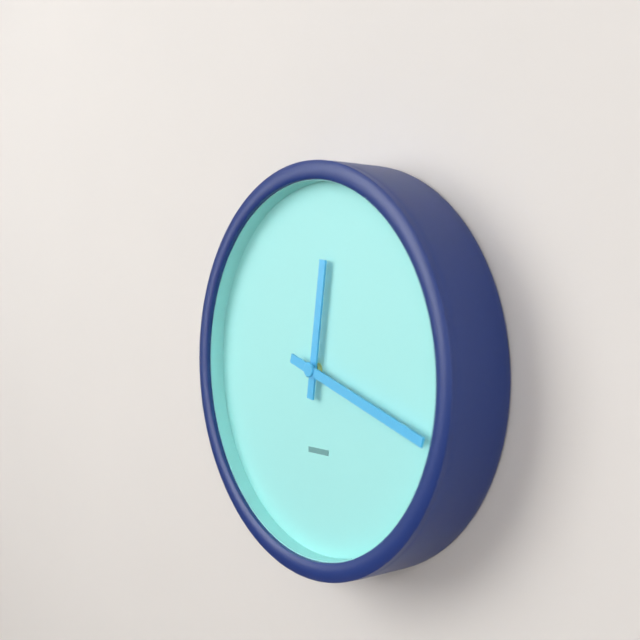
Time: h=12 m=18
